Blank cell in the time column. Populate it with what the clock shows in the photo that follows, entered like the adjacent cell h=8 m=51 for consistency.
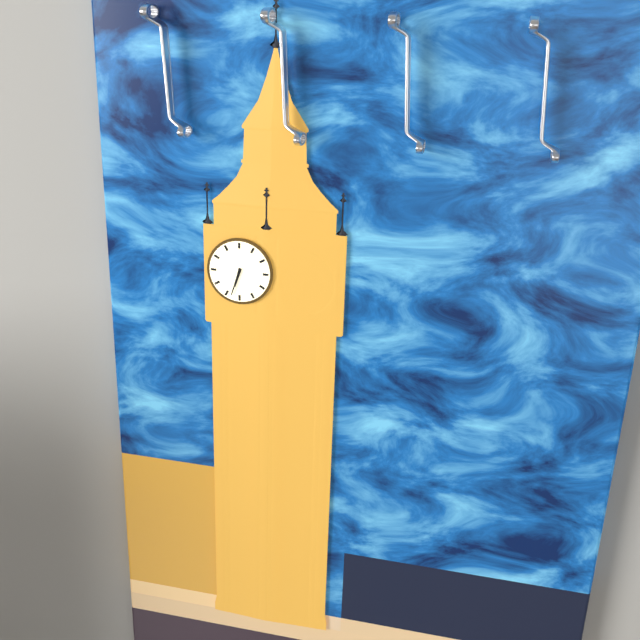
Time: h=6 m=33
